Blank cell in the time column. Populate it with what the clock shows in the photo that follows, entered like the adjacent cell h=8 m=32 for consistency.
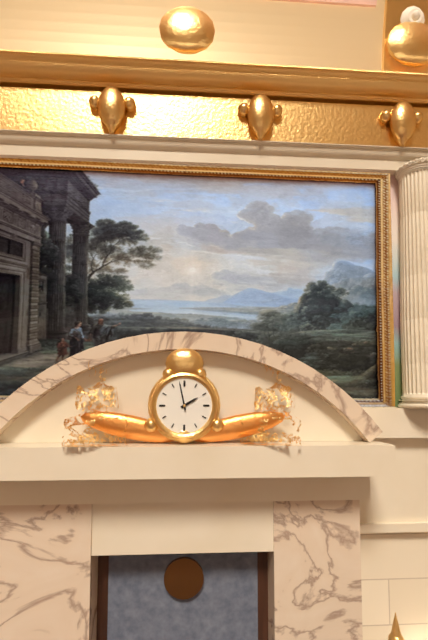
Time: h=1 m=58
